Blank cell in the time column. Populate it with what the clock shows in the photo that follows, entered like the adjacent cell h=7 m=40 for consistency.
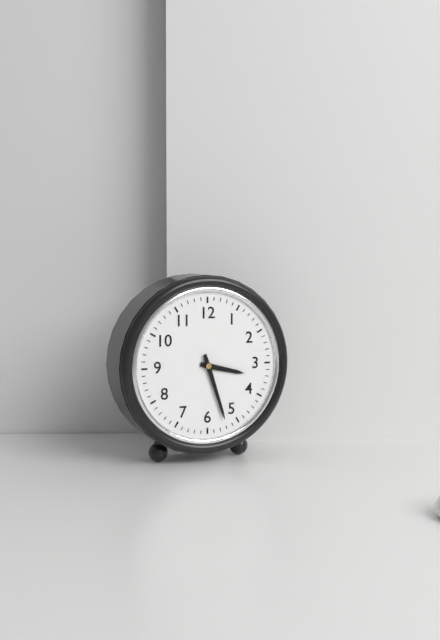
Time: h=3 m=27
